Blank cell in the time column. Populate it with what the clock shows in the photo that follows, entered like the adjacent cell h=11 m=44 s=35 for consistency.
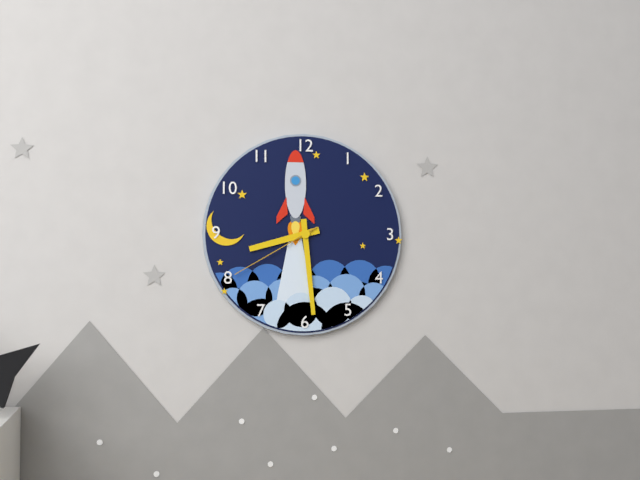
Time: h=8 m=29 s=40
